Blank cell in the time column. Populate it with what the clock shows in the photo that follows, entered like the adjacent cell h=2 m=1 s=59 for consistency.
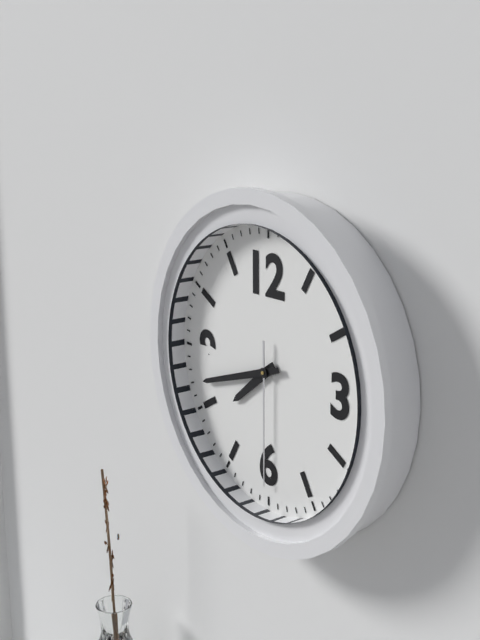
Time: h=7 m=42 s=30
